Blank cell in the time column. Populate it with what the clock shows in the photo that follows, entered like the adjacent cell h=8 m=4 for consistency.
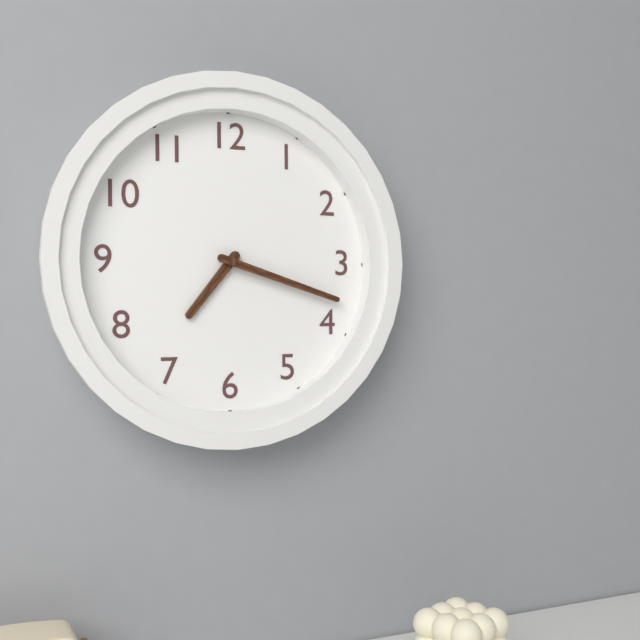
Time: h=7 m=18
